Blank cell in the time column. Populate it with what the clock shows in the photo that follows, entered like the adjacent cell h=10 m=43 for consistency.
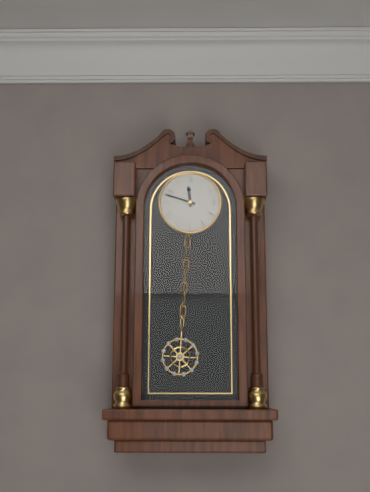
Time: h=11 m=48
